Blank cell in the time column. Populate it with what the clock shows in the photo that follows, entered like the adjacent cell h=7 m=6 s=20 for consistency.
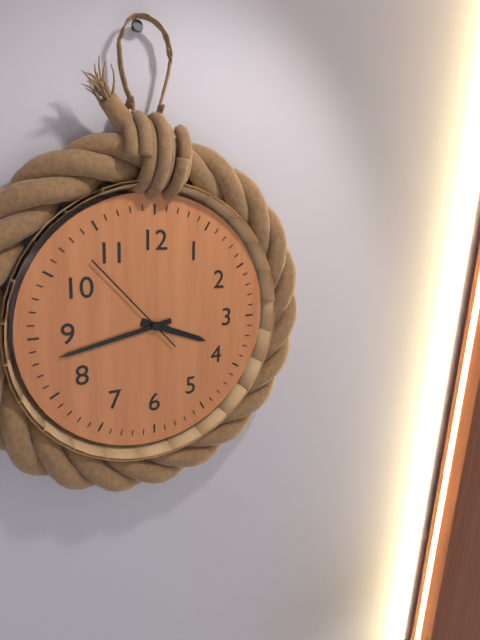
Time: h=3 m=43 s=53
